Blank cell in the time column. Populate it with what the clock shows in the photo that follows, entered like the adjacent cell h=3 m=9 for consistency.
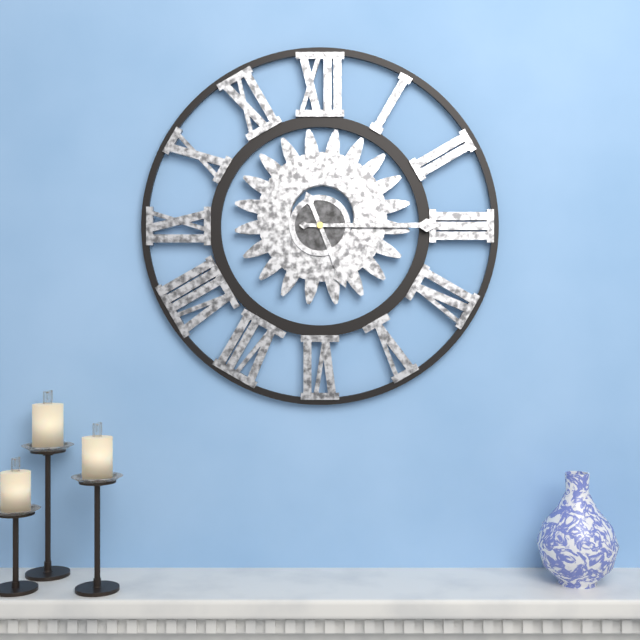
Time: h=5 m=15
